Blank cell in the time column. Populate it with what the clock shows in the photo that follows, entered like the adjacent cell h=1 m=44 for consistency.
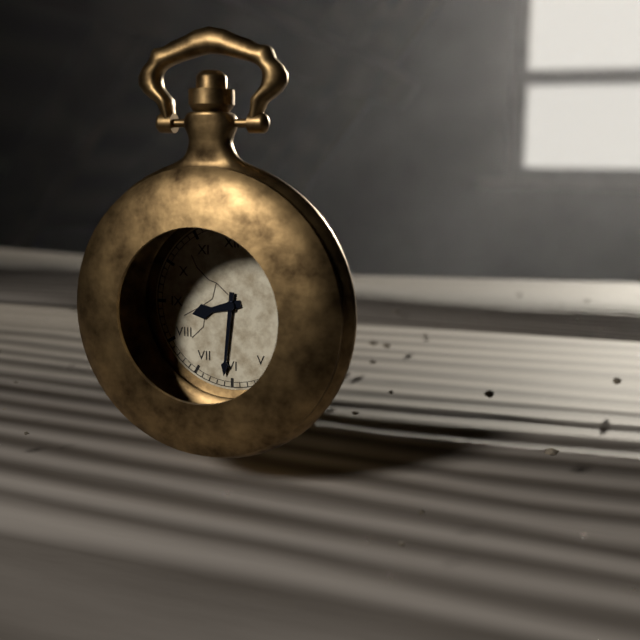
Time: h=8 m=31
